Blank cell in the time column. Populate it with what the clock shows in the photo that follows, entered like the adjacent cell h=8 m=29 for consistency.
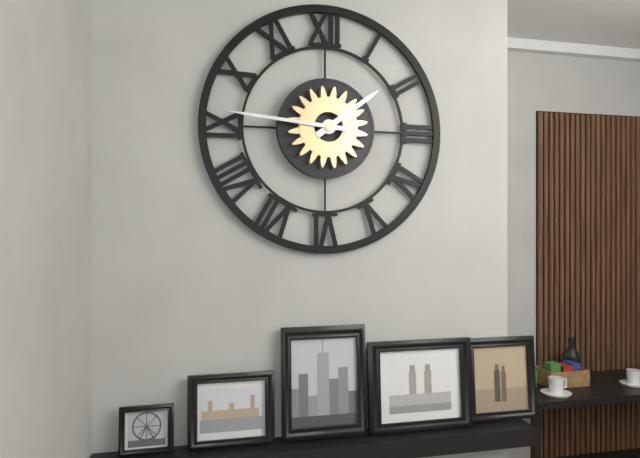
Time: h=1 m=46
